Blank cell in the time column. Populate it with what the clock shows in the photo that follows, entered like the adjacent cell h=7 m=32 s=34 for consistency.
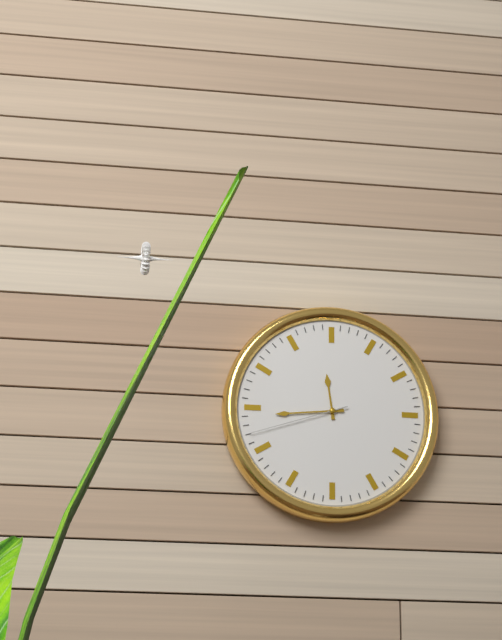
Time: h=11 m=44 s=42
